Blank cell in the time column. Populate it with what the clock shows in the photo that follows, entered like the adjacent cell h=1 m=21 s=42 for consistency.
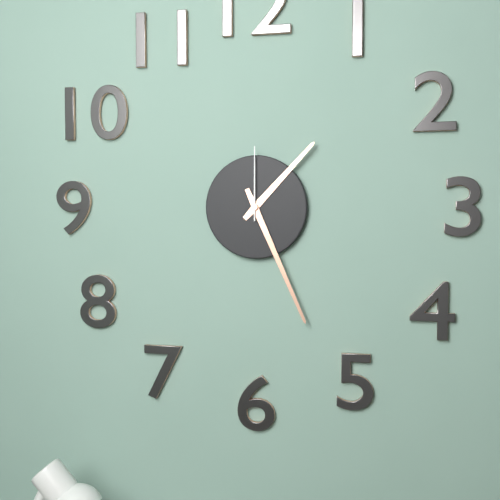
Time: h=1 m=26 s=0
